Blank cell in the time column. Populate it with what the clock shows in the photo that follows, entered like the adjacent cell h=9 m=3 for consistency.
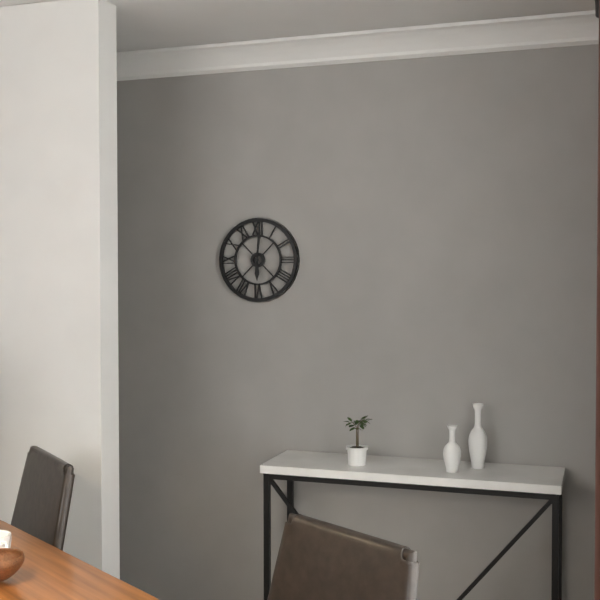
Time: h=6 m=1
